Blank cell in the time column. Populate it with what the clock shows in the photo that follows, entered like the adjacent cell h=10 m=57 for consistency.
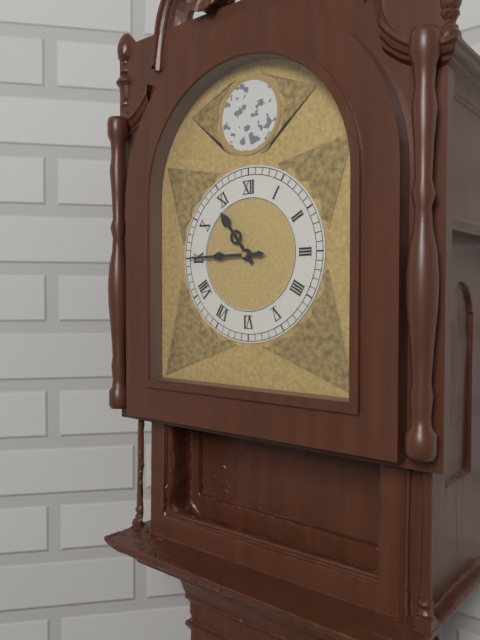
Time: h=10 m=45
